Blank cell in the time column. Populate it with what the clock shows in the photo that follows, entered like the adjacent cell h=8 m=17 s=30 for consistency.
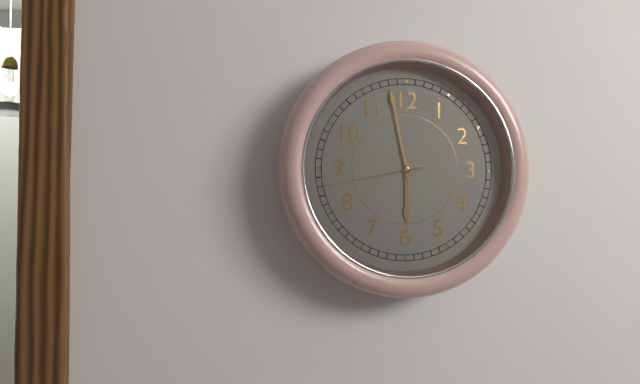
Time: h=5 m=58 s=43
